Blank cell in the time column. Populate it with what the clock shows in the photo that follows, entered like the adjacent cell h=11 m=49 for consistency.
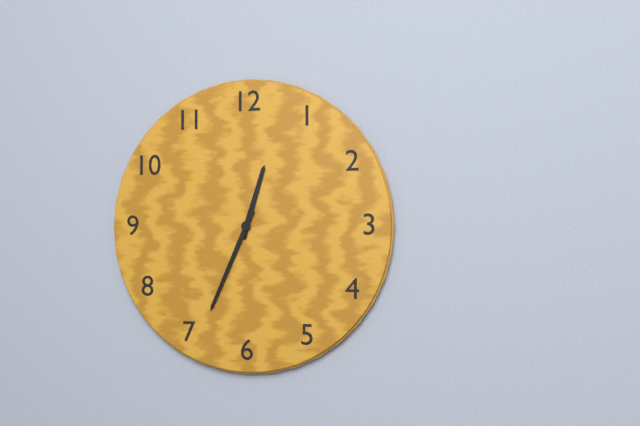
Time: h=12 m=34
